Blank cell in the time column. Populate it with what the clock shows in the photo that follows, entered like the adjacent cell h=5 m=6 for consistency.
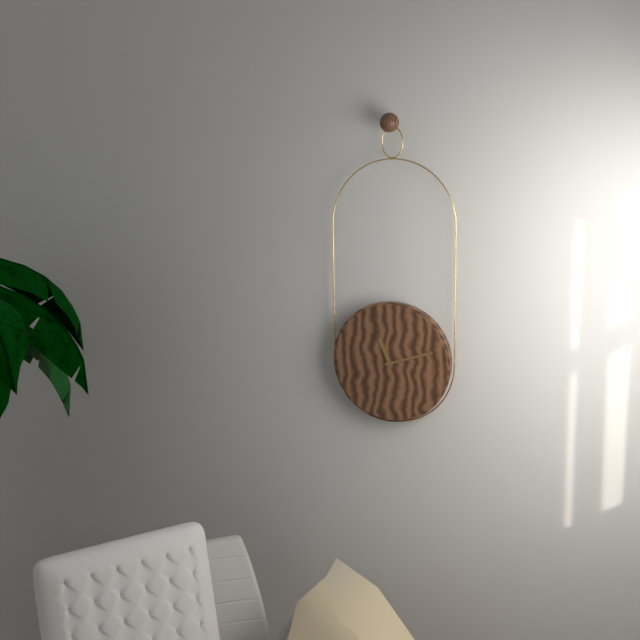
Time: h=11 m=12
